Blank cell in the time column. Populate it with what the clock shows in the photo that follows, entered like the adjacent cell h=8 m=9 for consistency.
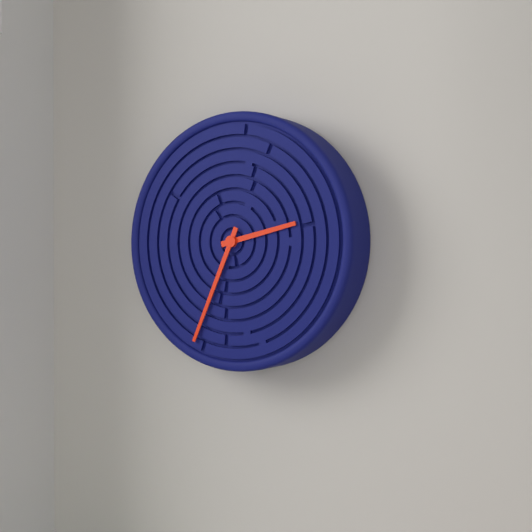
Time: h=2 m=34
